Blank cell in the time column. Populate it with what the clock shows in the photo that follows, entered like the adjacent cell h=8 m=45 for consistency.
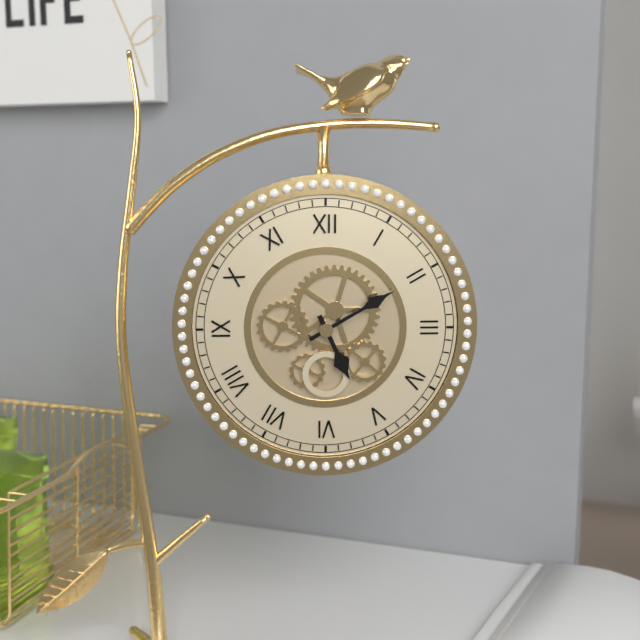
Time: h=5 m=10
